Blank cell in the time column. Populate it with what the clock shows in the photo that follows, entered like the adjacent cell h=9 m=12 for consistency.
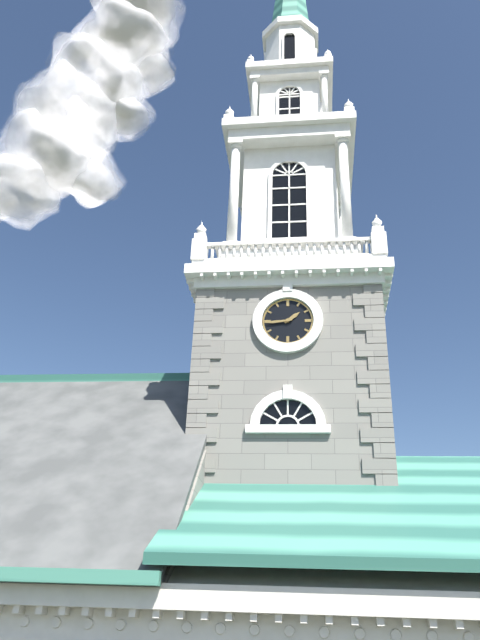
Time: h=1 m=44
